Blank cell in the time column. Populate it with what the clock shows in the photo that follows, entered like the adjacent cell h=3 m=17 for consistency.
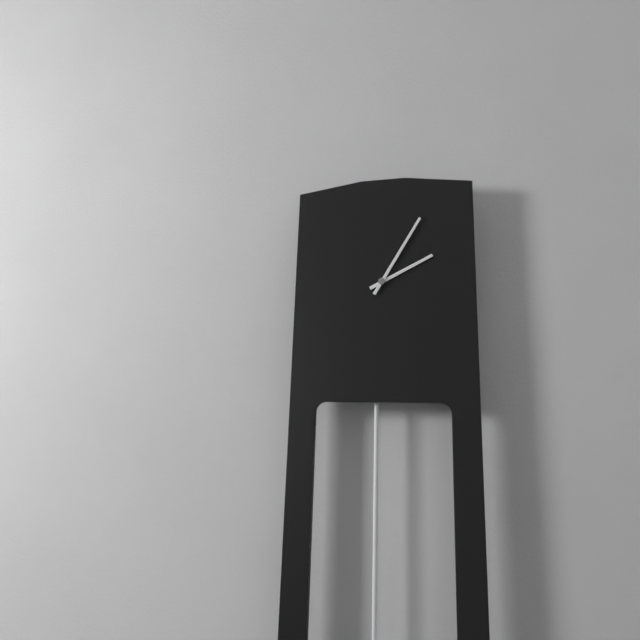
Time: h=2 m=5
